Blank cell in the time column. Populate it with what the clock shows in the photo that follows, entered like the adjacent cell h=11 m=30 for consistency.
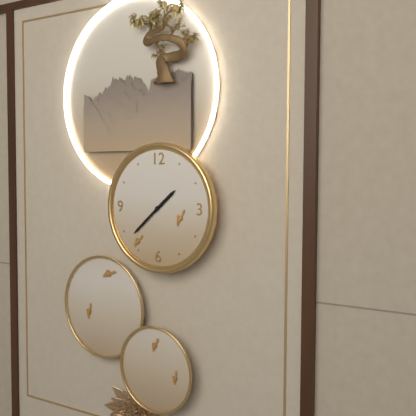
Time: h=1 m=38
